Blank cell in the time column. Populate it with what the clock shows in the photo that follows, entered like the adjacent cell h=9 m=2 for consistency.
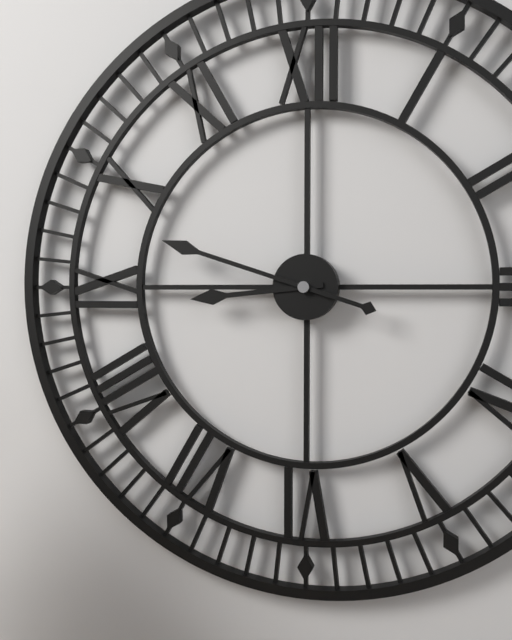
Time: h=8 m=48
